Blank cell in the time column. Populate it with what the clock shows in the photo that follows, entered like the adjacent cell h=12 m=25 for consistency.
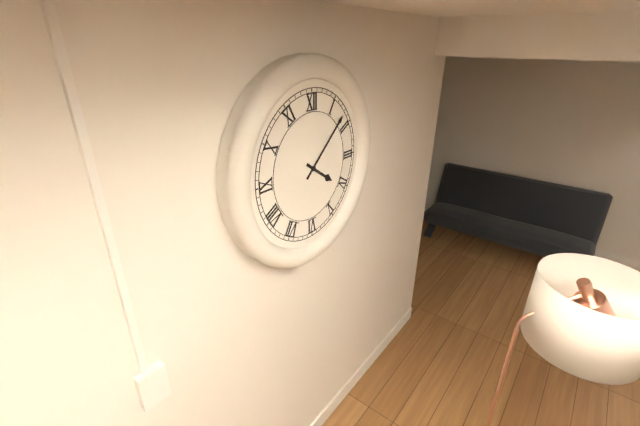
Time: h=4 m=8
